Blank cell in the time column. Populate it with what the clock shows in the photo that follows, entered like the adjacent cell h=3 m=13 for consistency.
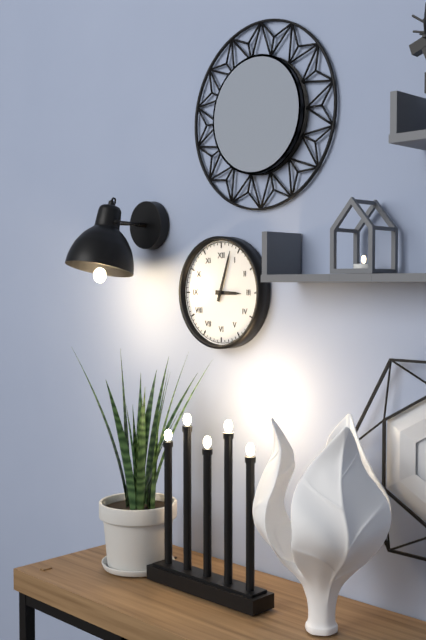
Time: h=3 m=3
